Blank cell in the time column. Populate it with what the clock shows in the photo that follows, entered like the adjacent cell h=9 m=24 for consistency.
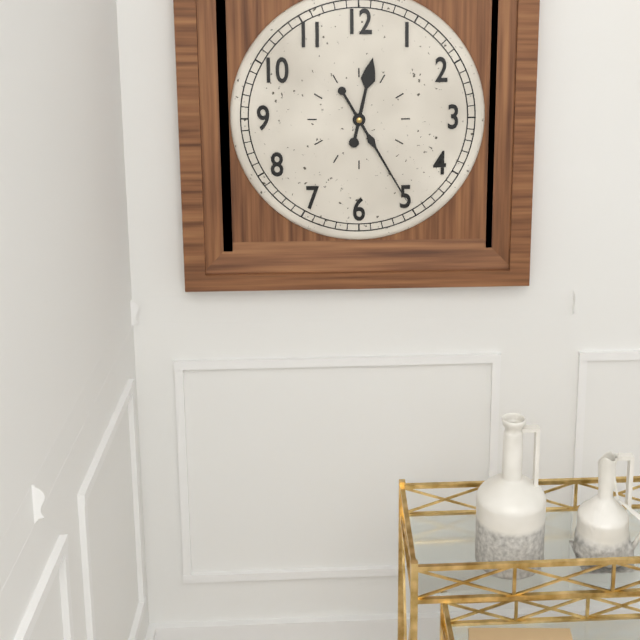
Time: h=12 m=25
